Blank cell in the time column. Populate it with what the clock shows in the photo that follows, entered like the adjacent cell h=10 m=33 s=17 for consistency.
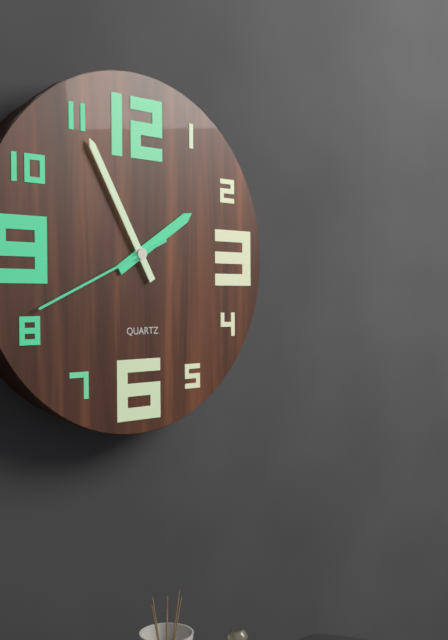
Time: h=1 m=55 s=41
